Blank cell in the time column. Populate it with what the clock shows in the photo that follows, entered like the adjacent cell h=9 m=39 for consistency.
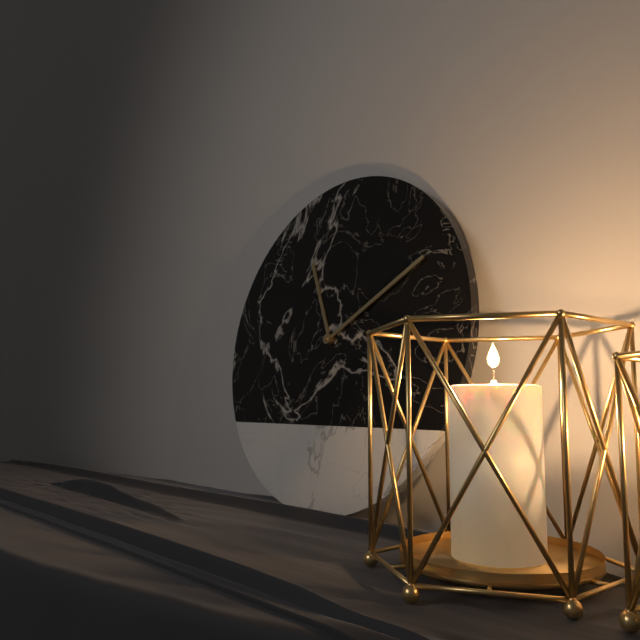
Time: h=11 m=10
